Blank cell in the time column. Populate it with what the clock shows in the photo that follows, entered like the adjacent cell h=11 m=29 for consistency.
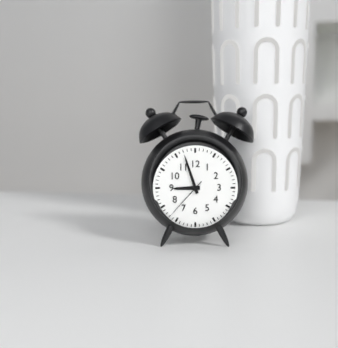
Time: h=8 m=57
